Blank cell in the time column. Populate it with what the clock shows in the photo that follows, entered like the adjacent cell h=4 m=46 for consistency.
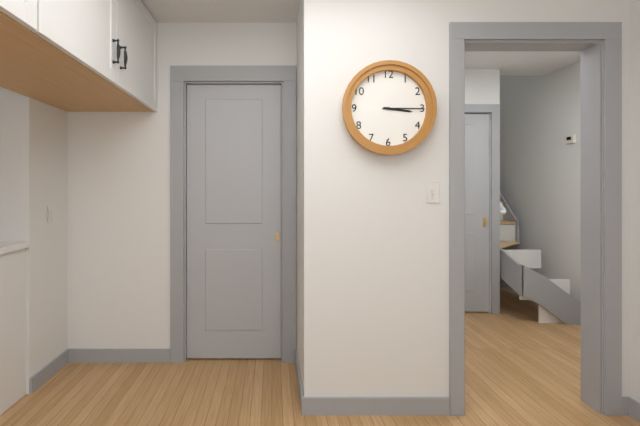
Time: h=3 m=15
